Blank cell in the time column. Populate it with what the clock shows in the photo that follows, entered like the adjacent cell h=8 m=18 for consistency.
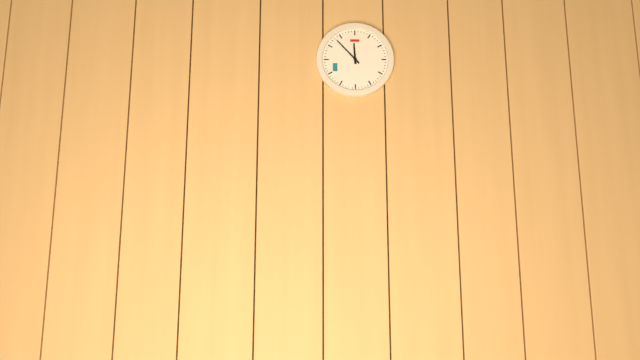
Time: h=11 m=53
